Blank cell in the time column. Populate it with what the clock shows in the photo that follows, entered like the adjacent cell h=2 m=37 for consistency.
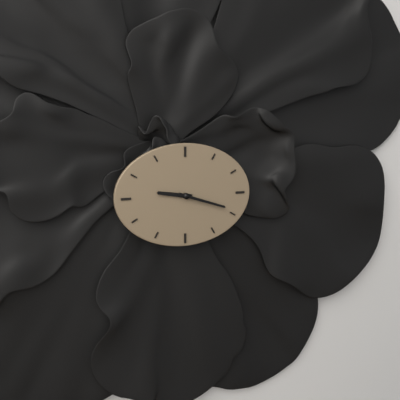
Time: h=9 m=18
